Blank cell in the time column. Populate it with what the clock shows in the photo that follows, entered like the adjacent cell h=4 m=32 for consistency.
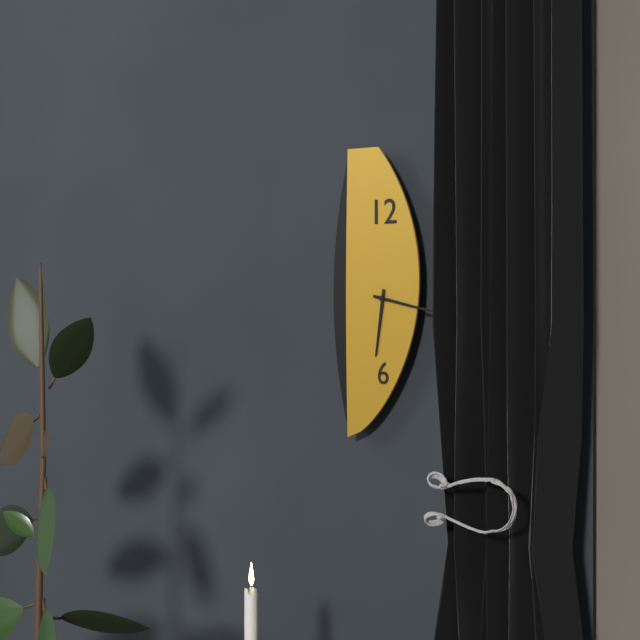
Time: h=6 m=17
